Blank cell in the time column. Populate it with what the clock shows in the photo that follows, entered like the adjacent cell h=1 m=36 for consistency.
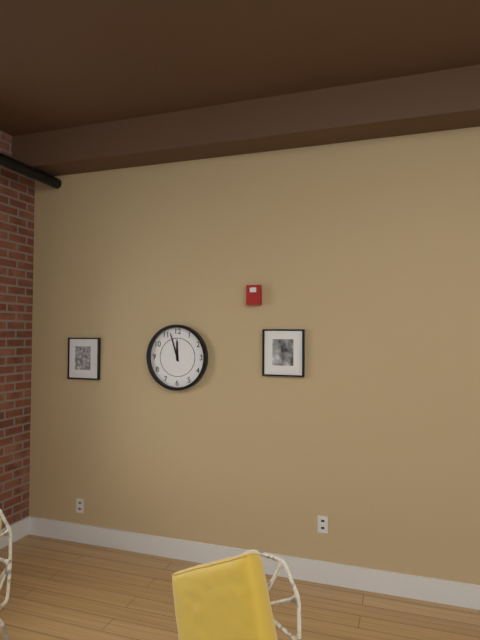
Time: h=11 m=57
